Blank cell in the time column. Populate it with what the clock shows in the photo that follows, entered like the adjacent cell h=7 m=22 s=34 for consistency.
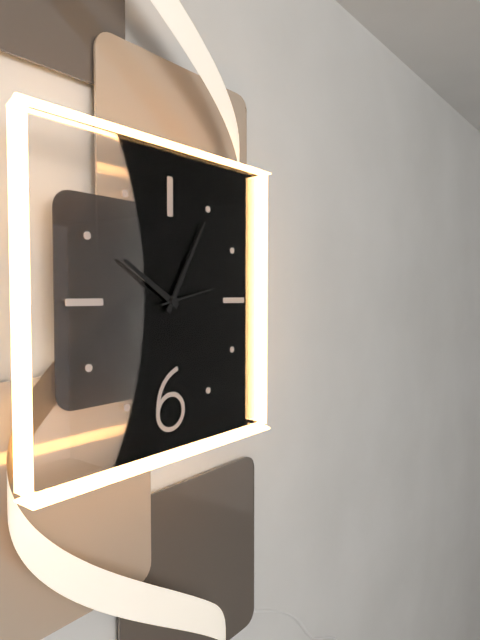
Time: h=10 m=5 s=13
